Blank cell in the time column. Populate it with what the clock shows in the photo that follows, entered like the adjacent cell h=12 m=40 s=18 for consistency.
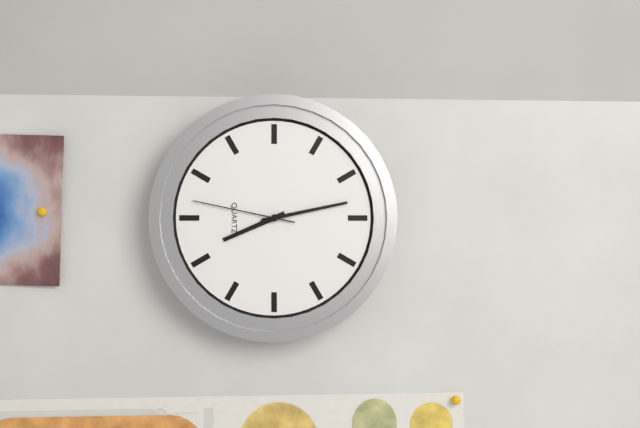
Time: h=8 m=13 s=47
